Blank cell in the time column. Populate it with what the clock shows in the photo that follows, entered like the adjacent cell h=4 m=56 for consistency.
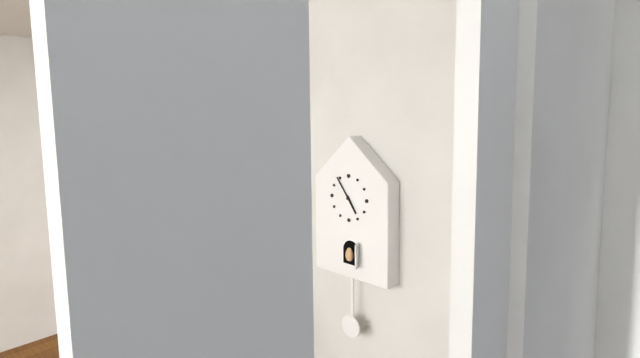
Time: h=4 m=54
